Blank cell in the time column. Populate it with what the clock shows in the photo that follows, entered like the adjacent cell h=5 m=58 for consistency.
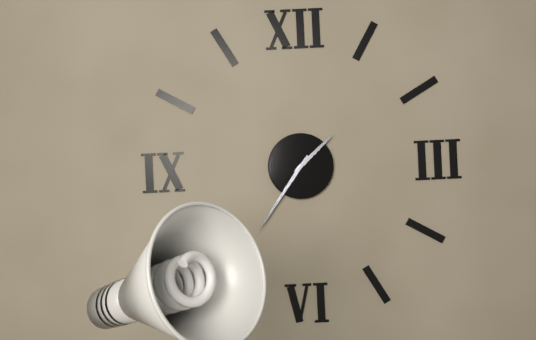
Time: h=1 m=36
